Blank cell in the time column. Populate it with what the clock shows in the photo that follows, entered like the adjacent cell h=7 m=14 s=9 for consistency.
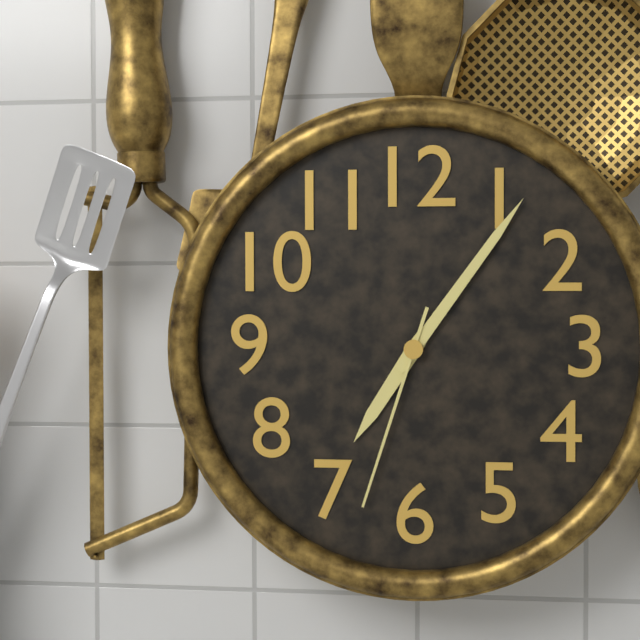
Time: h=7 m=6 s=33
